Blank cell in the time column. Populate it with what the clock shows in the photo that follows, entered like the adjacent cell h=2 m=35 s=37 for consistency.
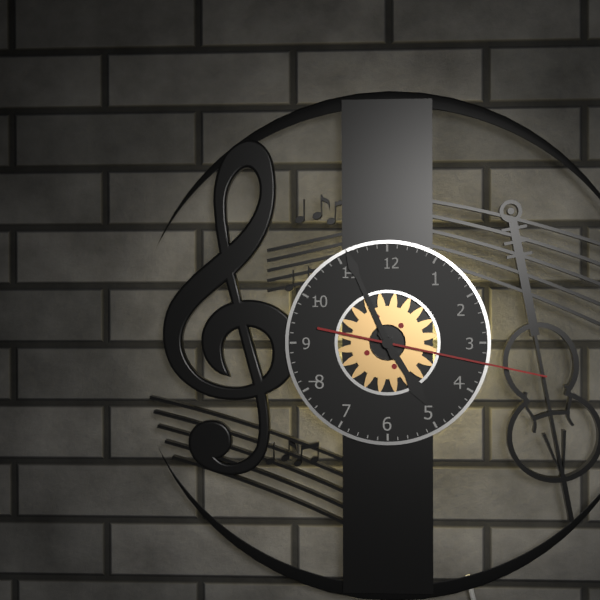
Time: h=4 m=56 s=17
